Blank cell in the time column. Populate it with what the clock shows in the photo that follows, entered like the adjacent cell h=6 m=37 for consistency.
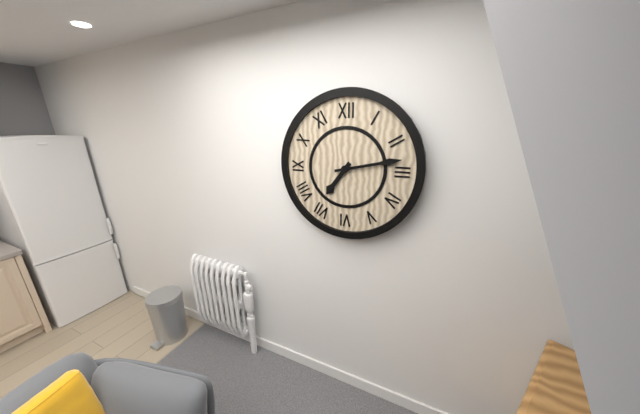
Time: h=7 m=13
